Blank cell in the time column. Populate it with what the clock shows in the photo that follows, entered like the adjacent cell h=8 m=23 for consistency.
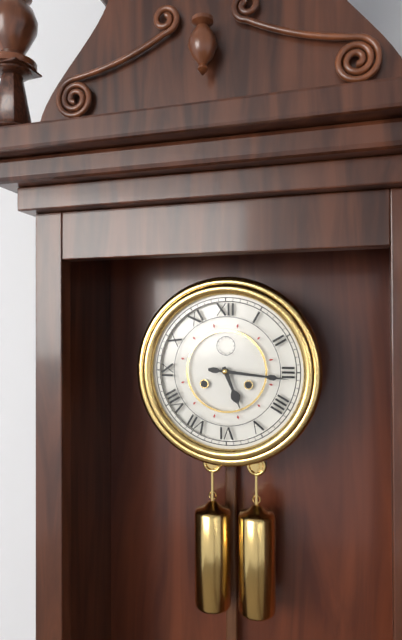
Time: h=5 m=16
